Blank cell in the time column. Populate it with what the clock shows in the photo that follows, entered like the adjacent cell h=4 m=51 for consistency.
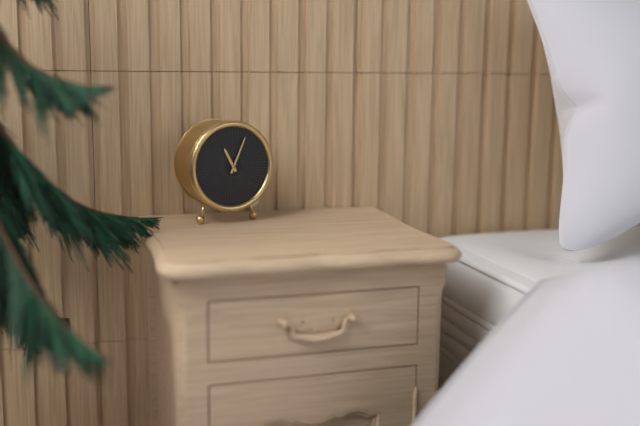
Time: h=11 m=4
